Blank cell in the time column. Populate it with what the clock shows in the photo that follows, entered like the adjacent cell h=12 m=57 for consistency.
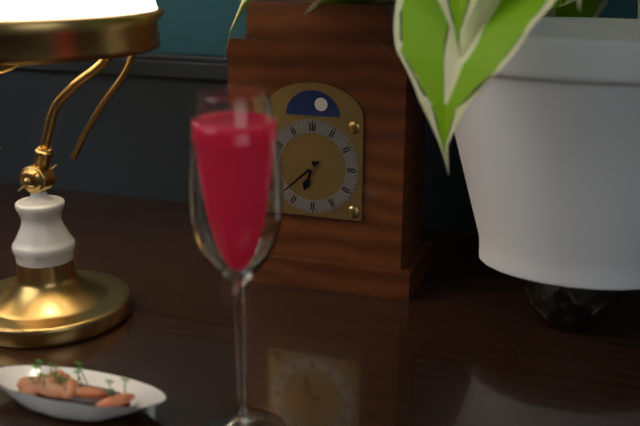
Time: h=6 m=38
